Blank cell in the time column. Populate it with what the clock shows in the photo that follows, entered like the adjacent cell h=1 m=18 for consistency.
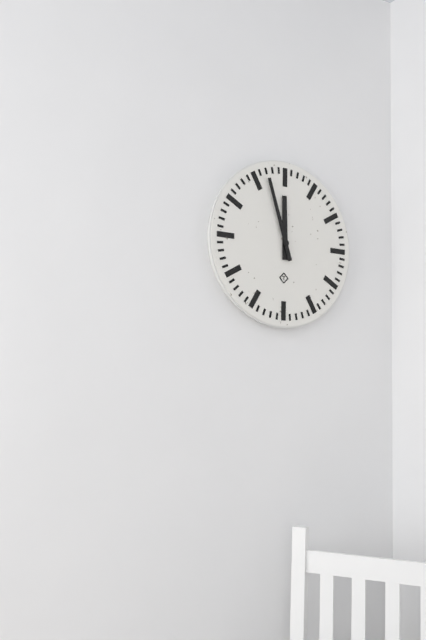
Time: h=11 m=57
